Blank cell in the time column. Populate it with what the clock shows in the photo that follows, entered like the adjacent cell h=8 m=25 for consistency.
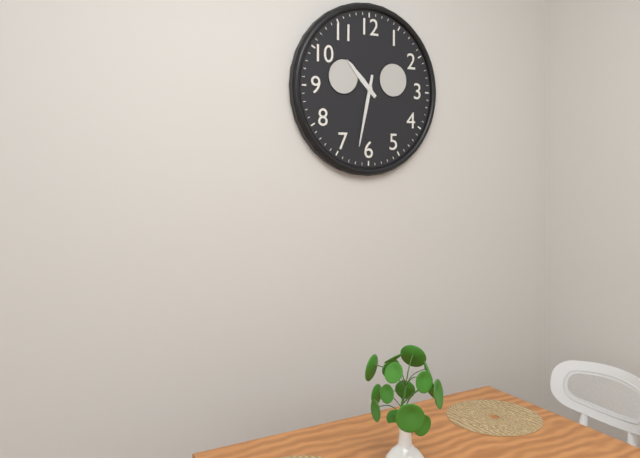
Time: h=10 m=32
